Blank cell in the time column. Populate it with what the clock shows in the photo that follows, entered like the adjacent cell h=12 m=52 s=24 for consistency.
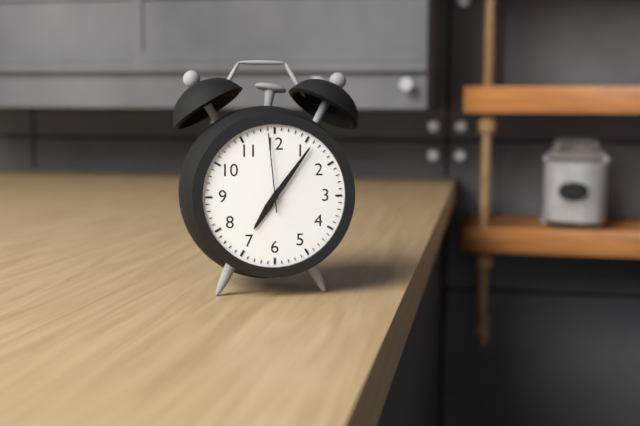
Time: h=7 m=6 s=59
